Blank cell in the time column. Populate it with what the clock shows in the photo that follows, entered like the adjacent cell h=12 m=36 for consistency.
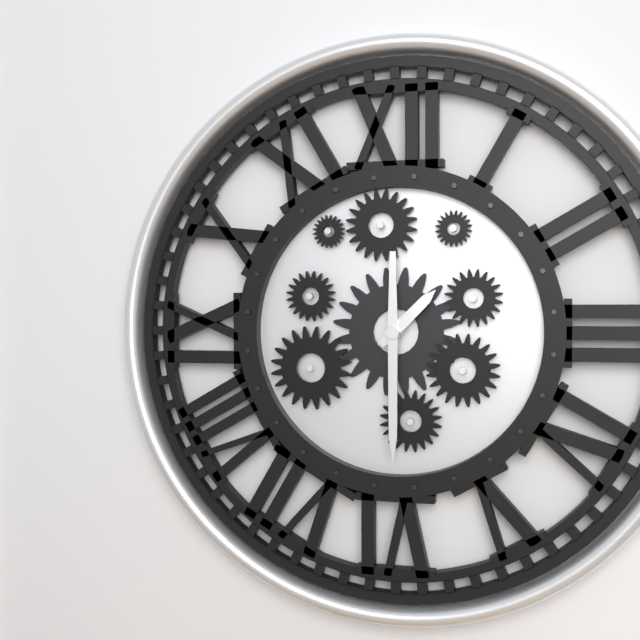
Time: h=1 m=30
